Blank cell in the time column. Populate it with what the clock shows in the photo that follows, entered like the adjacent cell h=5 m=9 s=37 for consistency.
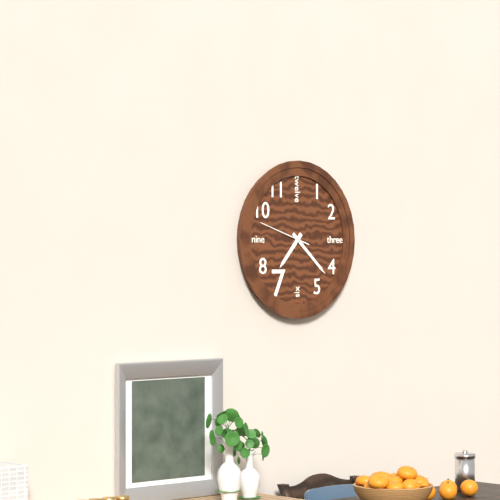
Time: h=7 m=22 s=48
